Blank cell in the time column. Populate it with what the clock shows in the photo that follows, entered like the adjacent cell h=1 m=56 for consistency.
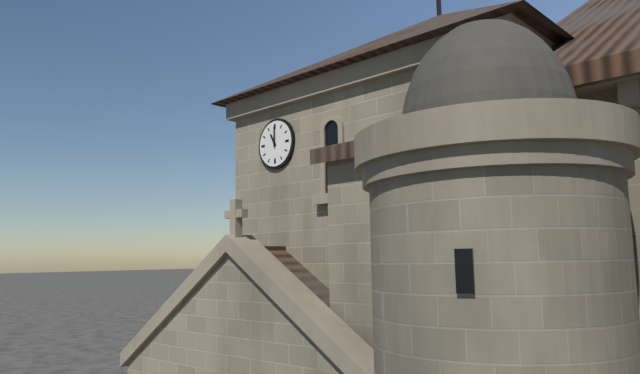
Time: h=11 m=0
